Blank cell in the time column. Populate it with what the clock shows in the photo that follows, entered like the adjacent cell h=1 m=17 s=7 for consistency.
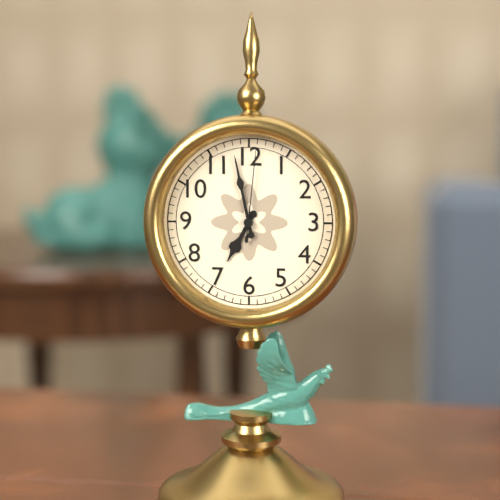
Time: h=6 m=58 s=1
